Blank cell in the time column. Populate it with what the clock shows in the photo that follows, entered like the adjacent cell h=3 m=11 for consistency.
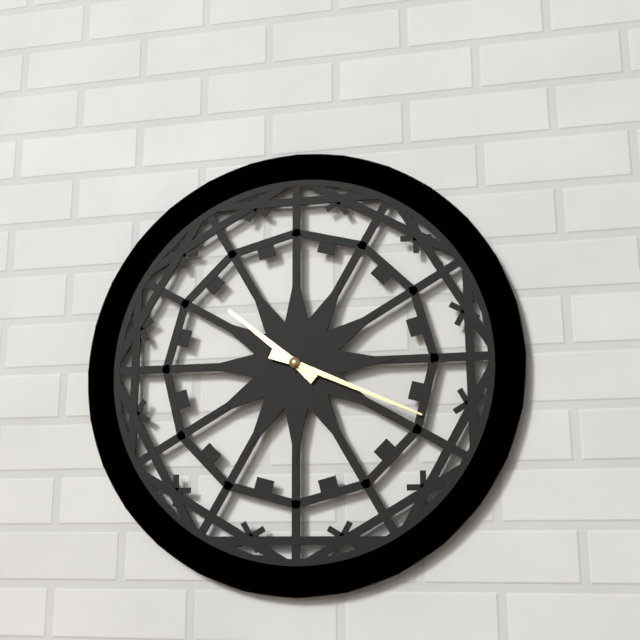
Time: h=10 m=19
